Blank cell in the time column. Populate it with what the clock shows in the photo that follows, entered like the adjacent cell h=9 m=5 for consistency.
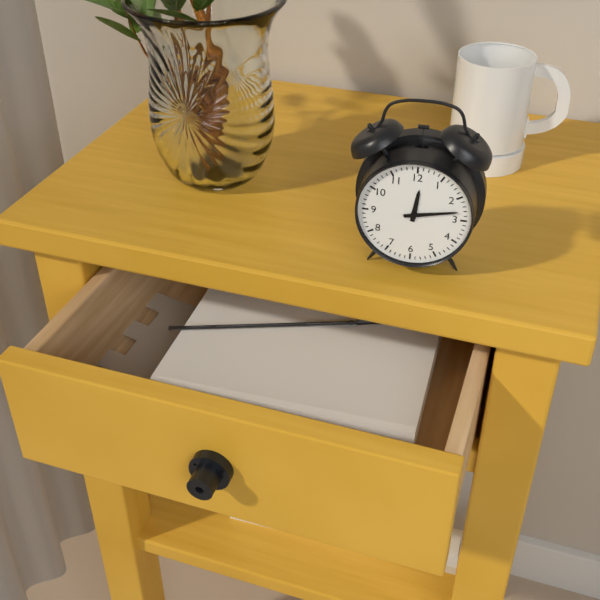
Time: h=12 m=13
